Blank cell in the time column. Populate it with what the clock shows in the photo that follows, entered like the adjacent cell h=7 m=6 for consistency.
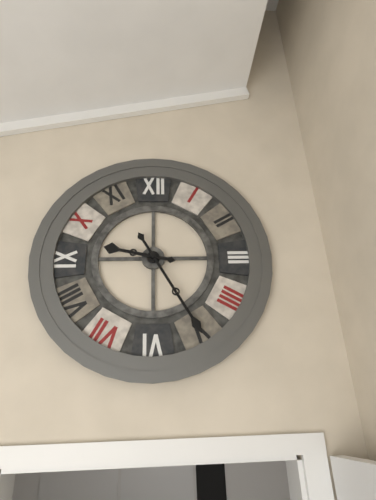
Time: h=9 m=25
